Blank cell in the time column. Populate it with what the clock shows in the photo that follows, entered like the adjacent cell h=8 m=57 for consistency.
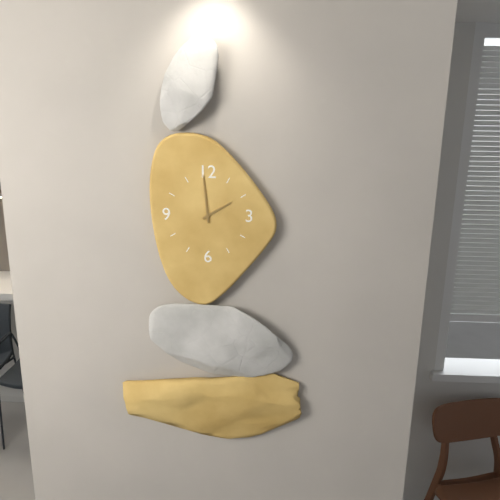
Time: h=1 m=59
